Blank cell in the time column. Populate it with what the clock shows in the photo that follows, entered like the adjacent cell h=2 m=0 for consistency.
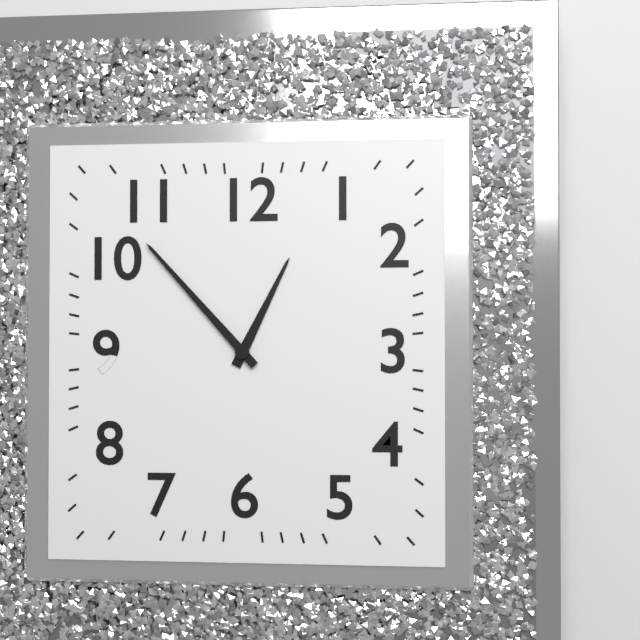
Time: h=12 m=53
